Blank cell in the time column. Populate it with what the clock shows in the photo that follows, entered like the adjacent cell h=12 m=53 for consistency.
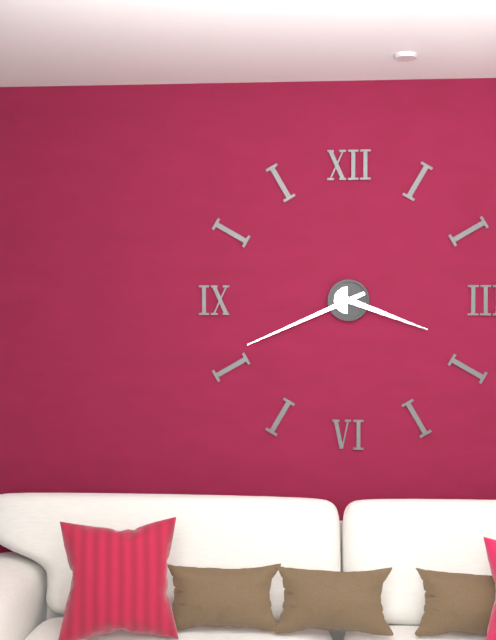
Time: h=3 m=41
